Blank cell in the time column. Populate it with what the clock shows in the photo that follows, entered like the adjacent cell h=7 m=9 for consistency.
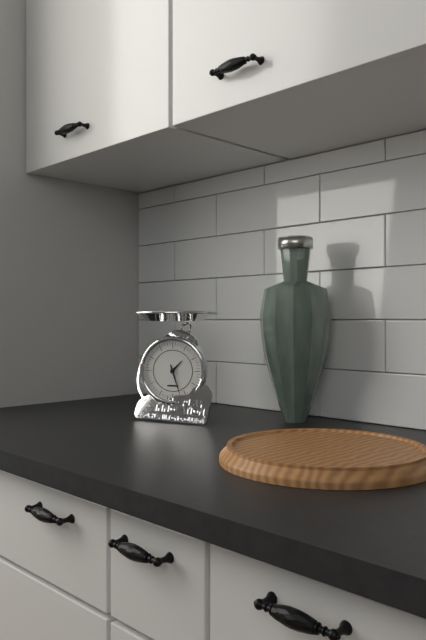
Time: h=1 m=27
